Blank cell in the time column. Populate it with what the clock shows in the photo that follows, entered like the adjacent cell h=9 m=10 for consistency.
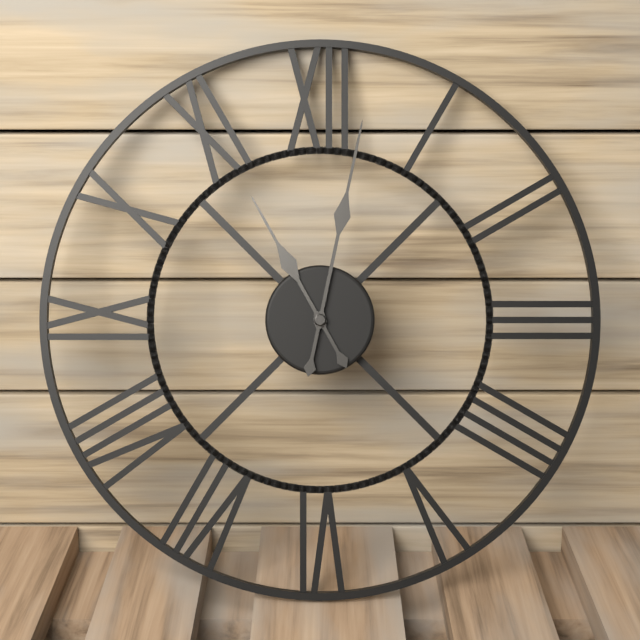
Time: h=11 m=2
